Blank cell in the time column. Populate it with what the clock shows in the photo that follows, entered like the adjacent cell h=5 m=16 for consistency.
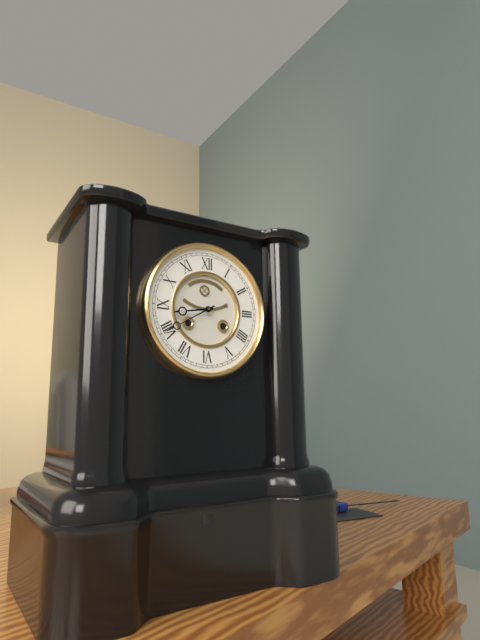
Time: h=8 m=40
